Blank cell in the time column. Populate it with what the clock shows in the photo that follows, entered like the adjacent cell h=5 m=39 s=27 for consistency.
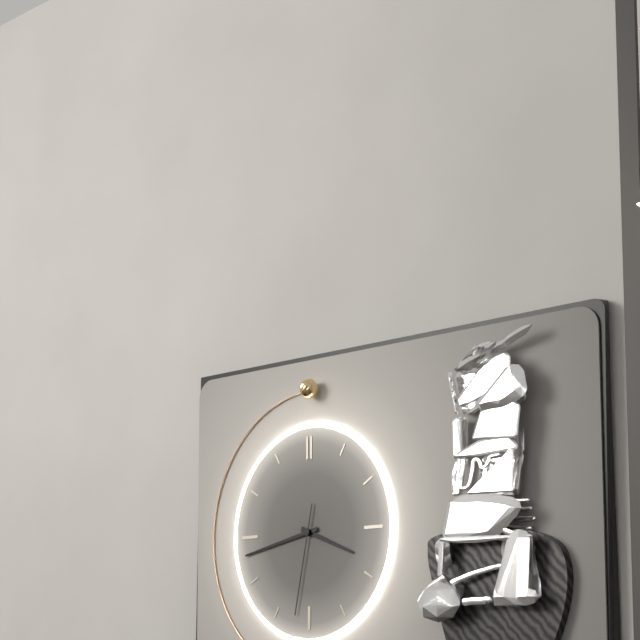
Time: h=3 m=43 s=32
